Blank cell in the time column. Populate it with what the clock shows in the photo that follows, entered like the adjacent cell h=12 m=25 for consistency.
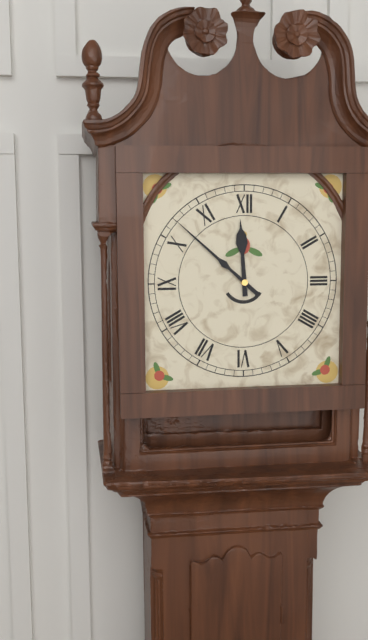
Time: h=11 m=52
